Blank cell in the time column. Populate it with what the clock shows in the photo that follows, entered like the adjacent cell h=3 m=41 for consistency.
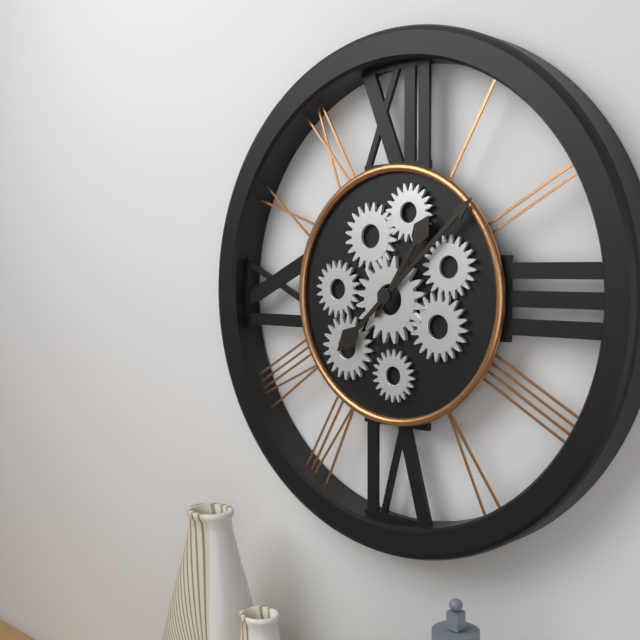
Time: h=1 m=8
